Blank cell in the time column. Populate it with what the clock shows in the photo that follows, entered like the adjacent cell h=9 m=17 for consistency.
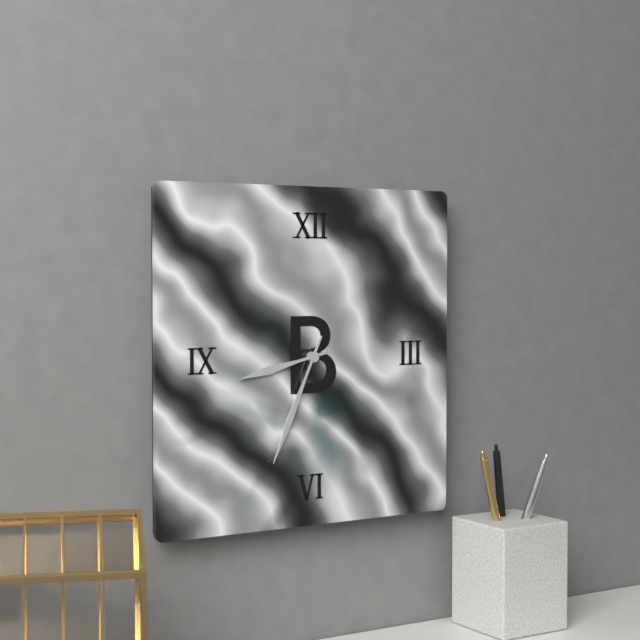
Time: h=8 m=34
